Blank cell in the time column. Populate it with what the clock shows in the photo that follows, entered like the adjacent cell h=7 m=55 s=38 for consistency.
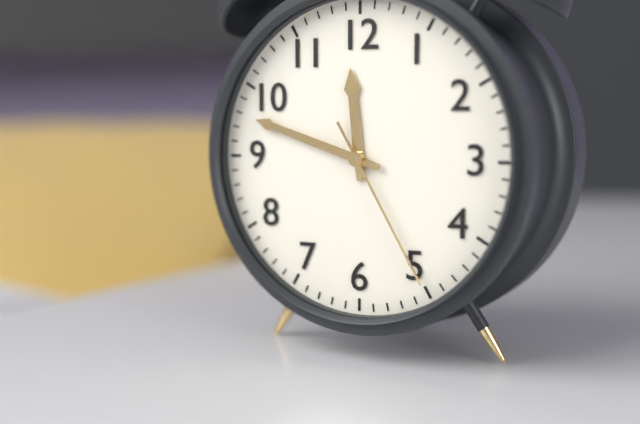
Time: h=11 m=48 s=25
